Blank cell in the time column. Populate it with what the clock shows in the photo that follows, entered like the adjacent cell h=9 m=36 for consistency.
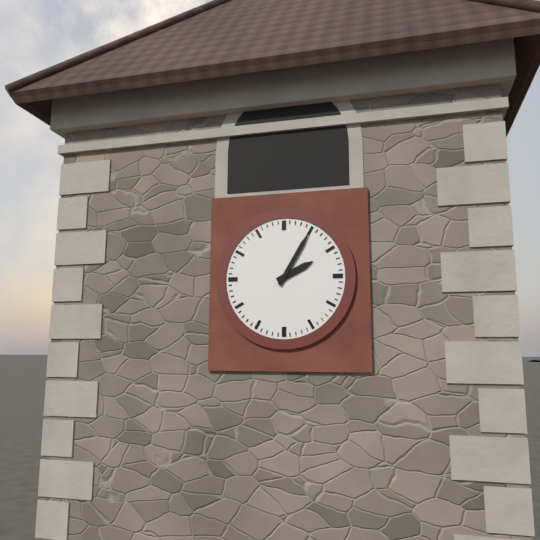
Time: h=2 m=5
